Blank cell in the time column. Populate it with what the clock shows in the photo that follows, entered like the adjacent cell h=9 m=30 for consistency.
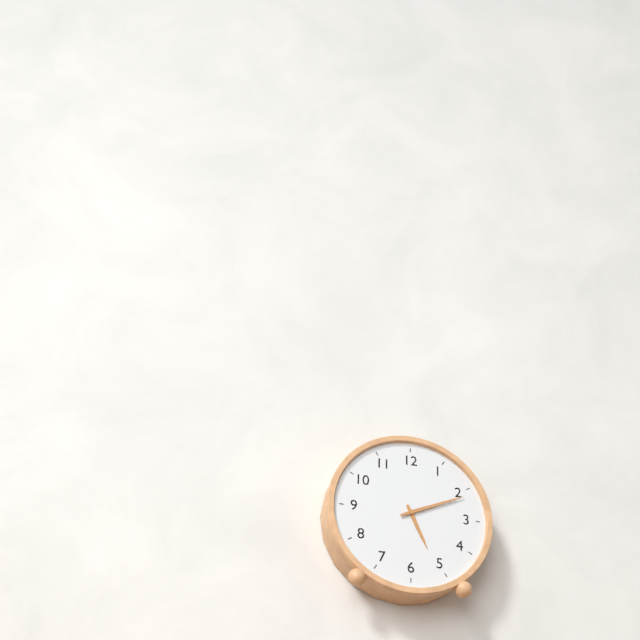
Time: h=5 m=11
